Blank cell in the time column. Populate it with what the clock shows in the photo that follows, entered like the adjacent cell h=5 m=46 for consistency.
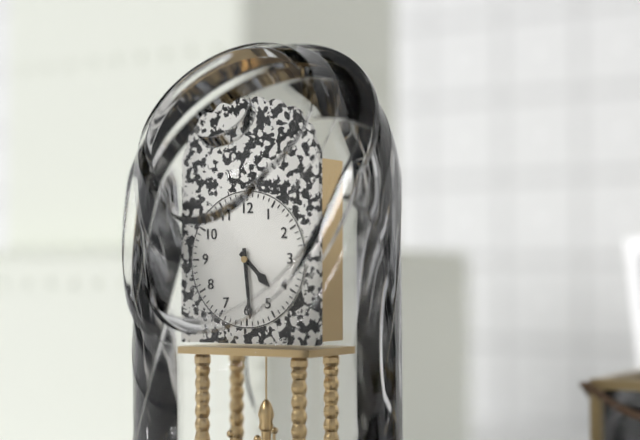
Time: h=4 m=29
